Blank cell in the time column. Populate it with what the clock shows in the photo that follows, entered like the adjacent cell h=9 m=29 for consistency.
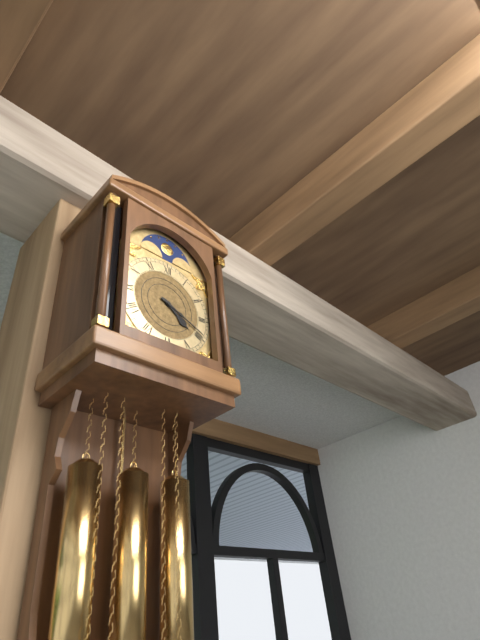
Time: h=4 m=19
